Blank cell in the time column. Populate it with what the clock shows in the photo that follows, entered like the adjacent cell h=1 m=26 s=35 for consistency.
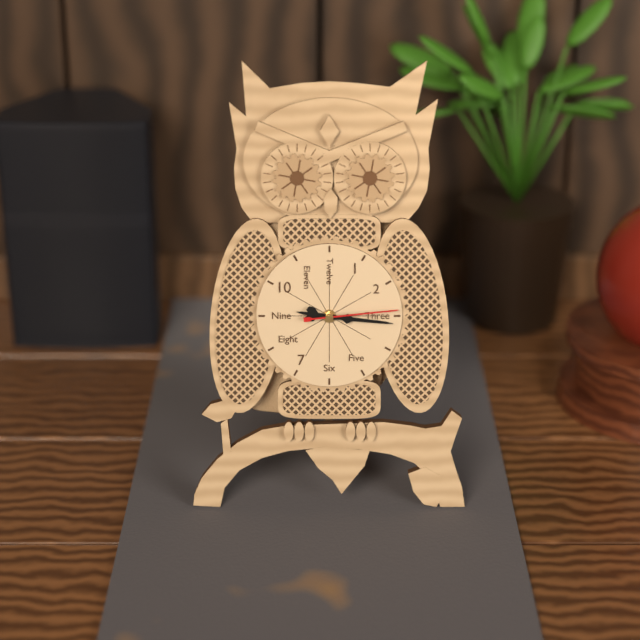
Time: h=9 m=16 s=14
